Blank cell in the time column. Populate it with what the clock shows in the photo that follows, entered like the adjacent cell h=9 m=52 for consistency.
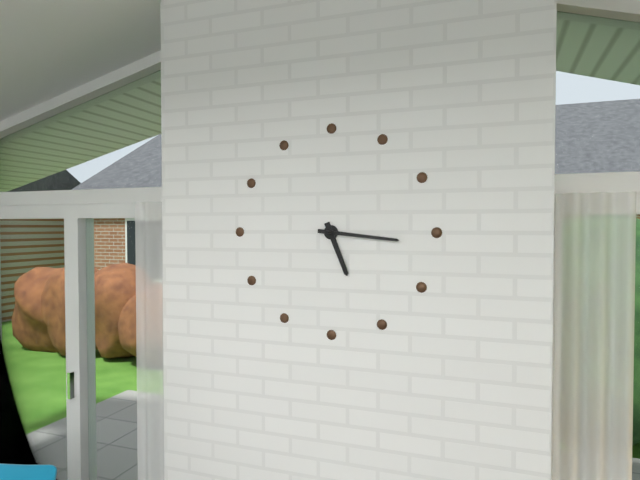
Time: h=5 m=16
